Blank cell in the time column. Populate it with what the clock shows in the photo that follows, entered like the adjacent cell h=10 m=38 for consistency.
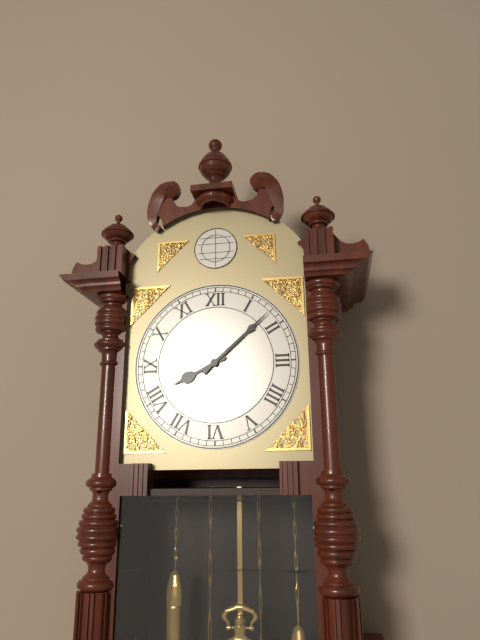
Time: h=8 m=8
